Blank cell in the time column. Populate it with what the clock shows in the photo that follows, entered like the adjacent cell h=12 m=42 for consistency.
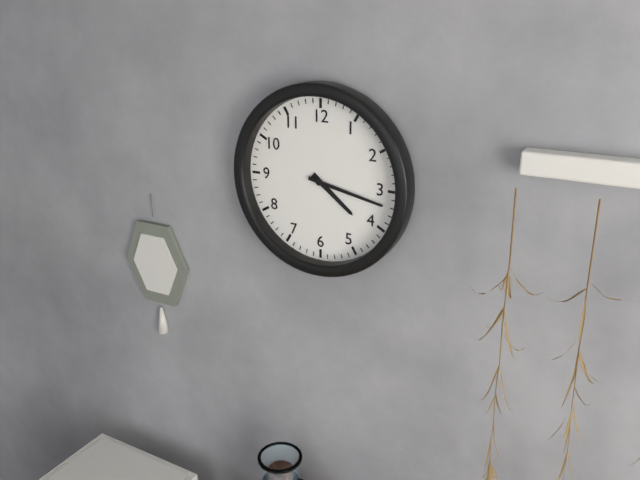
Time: h=4 m=17
